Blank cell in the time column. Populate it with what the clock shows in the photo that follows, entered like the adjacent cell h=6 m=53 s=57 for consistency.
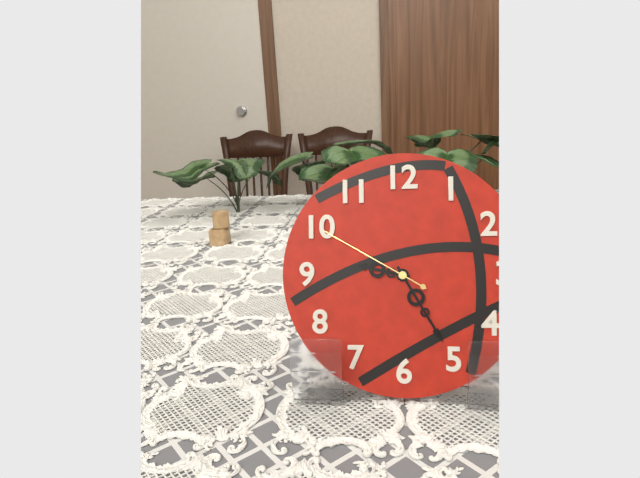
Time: h=9 m=25 s=50
